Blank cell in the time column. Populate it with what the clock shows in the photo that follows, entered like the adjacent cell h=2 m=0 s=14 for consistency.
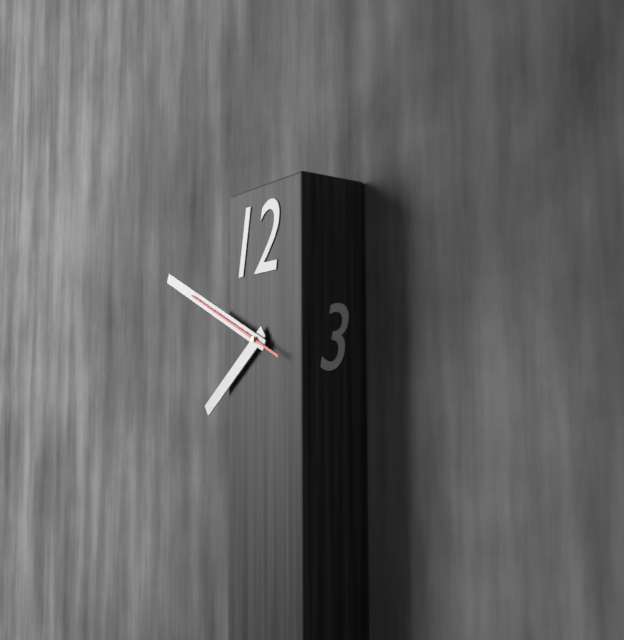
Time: h=7 m=49 s=49
